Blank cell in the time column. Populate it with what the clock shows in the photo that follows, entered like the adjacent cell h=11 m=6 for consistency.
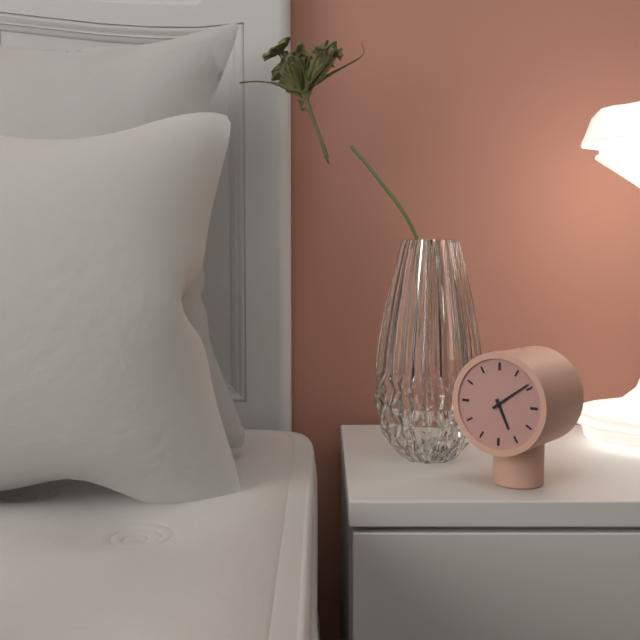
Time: h=5 m=9
